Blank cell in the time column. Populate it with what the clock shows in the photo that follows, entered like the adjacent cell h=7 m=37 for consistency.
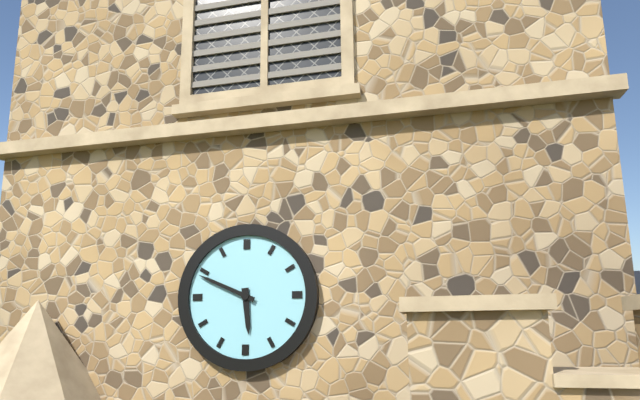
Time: h=5 m=49
